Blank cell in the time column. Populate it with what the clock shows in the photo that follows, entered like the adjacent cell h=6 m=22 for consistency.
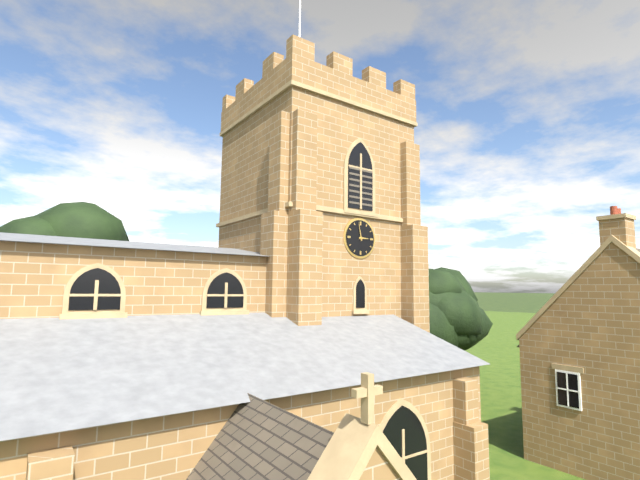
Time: h=2 m=58
